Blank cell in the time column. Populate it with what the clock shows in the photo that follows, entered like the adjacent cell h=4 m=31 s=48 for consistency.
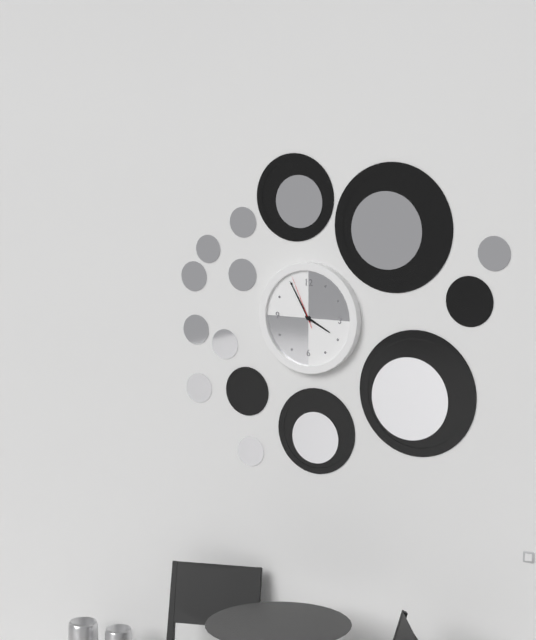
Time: h=3 m=55 s=56
